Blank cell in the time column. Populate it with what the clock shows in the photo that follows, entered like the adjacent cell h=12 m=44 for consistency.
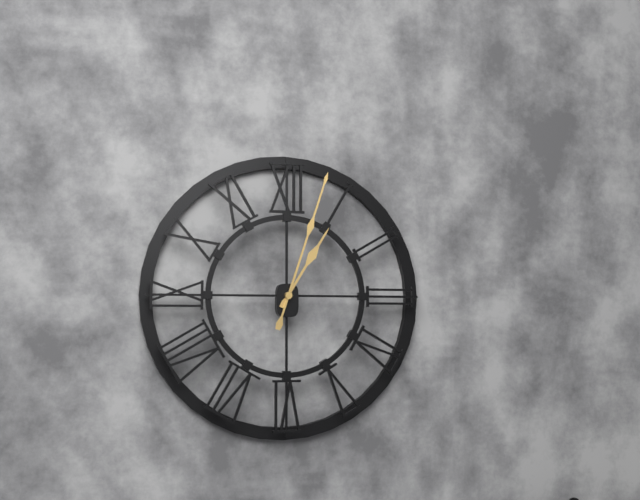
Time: h=1 m=3
